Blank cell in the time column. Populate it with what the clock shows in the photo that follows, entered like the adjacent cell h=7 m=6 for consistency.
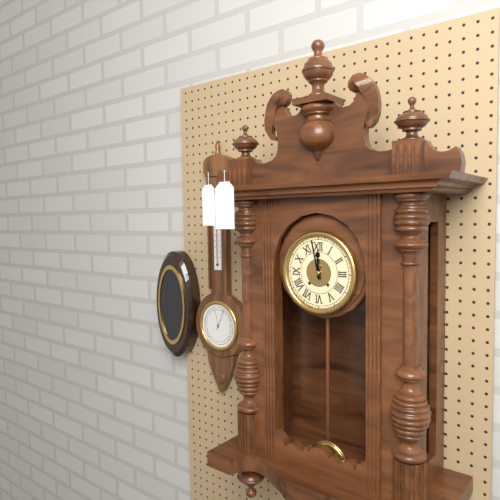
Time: h=11 m=58
